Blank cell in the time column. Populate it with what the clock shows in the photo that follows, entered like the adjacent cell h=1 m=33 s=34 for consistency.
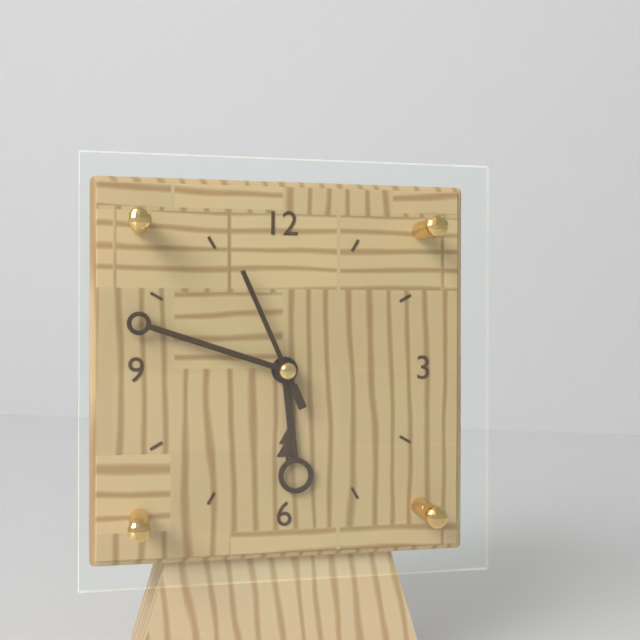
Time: h=5 m=48 s=56
